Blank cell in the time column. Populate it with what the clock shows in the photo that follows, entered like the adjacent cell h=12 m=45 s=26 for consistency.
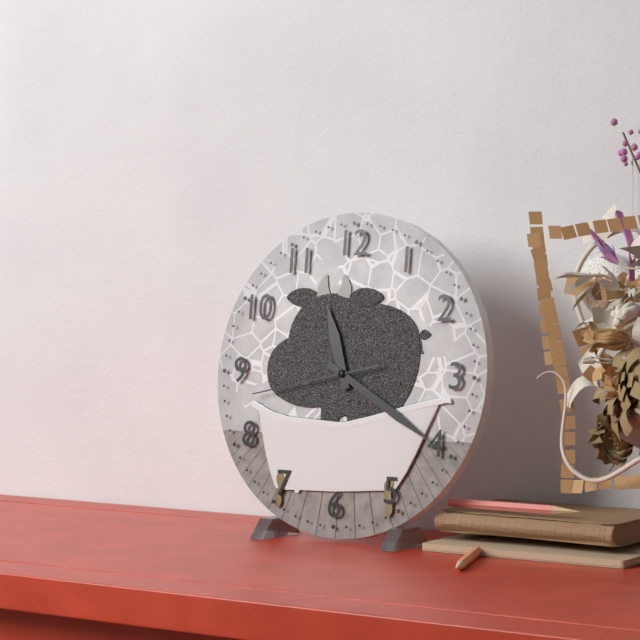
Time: h=11 m=20 s=43
